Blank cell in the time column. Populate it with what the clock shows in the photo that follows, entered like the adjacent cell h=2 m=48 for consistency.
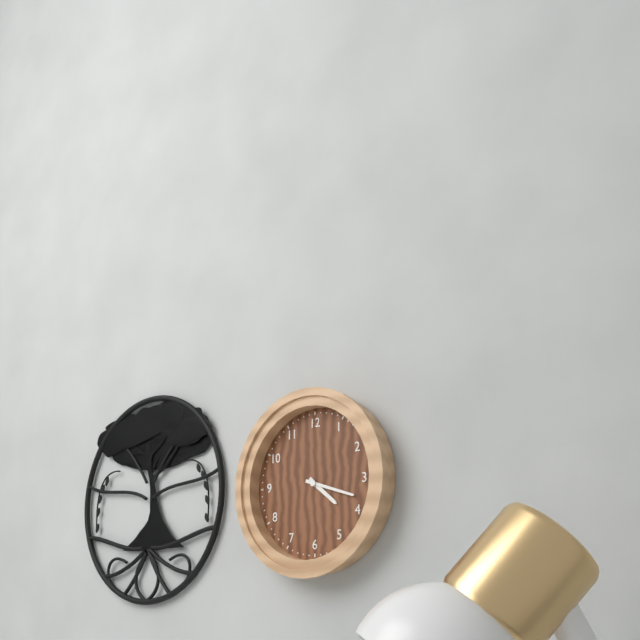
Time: h=4 m=18
